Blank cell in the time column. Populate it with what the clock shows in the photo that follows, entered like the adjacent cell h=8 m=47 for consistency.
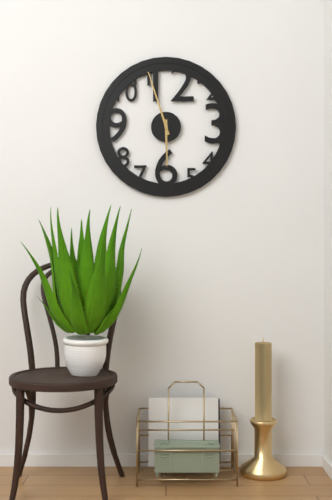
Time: h=5 m=57
